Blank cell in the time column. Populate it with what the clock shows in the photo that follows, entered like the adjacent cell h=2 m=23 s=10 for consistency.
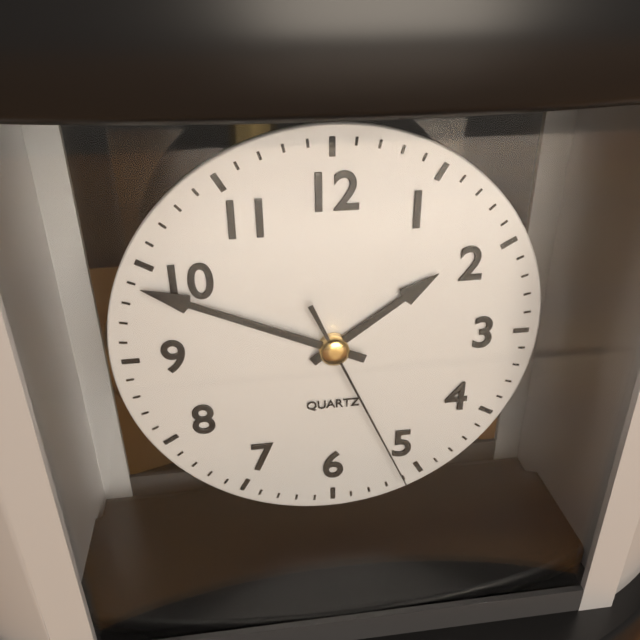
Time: h=1 m=49 s=26
